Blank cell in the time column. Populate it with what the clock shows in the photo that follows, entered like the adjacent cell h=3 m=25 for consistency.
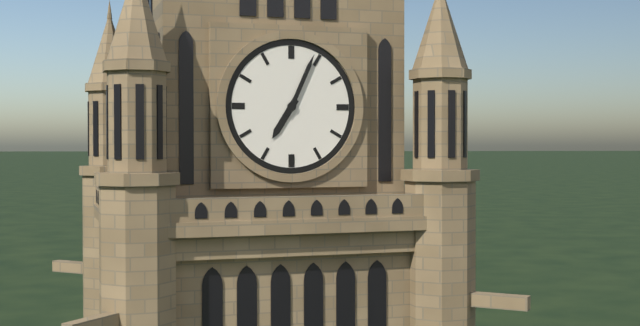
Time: h=7 m=4
